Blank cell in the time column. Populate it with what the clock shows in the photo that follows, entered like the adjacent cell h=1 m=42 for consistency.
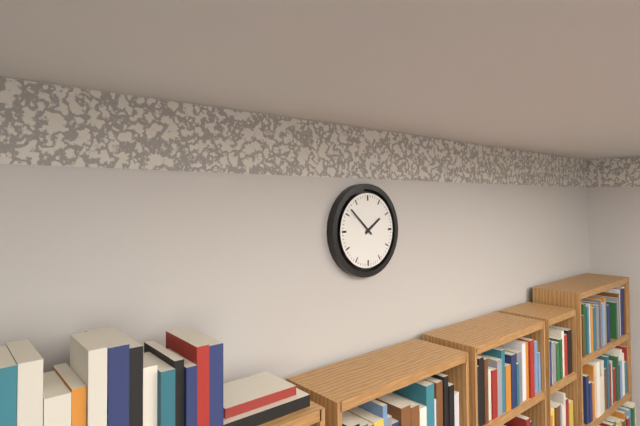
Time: h=1 m=52
